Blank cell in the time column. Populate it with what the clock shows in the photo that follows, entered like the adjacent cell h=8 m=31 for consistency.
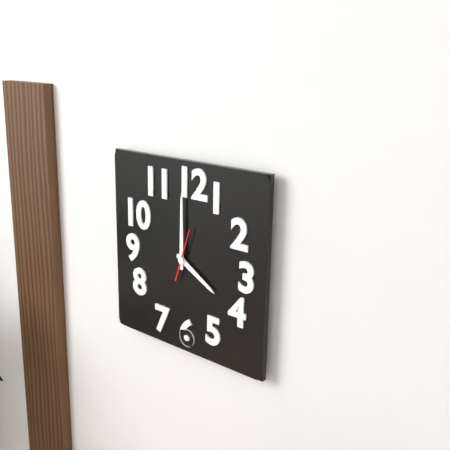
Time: h=4 m=0
